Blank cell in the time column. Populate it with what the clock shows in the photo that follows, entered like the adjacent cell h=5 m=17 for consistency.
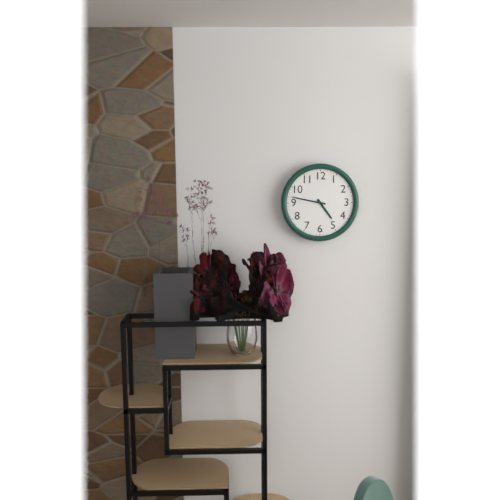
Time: h=4 m=47
